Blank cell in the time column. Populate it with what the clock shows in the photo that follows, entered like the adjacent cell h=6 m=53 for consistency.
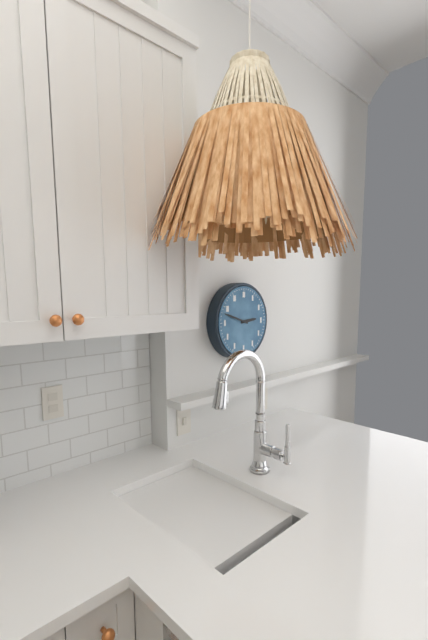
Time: h=2 m=48
